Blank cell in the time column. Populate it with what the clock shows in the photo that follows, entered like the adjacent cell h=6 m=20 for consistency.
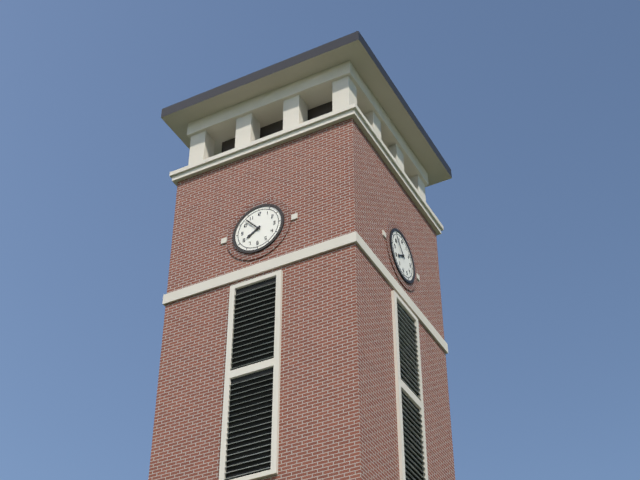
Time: h=7 m=53
